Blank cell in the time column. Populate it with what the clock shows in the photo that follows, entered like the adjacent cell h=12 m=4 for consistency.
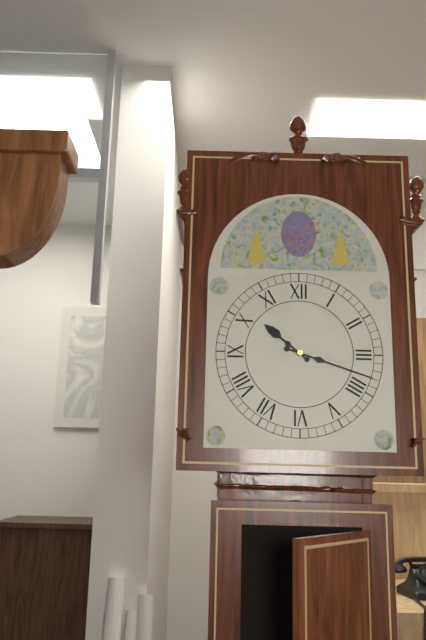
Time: h=10 m=18
